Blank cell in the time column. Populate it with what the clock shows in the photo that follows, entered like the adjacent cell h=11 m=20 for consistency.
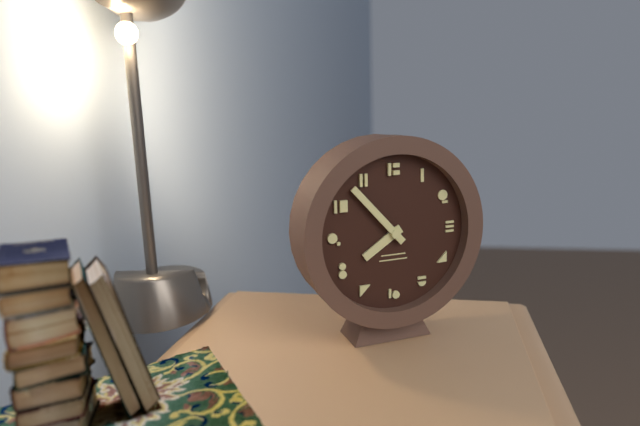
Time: h=7 m=53
